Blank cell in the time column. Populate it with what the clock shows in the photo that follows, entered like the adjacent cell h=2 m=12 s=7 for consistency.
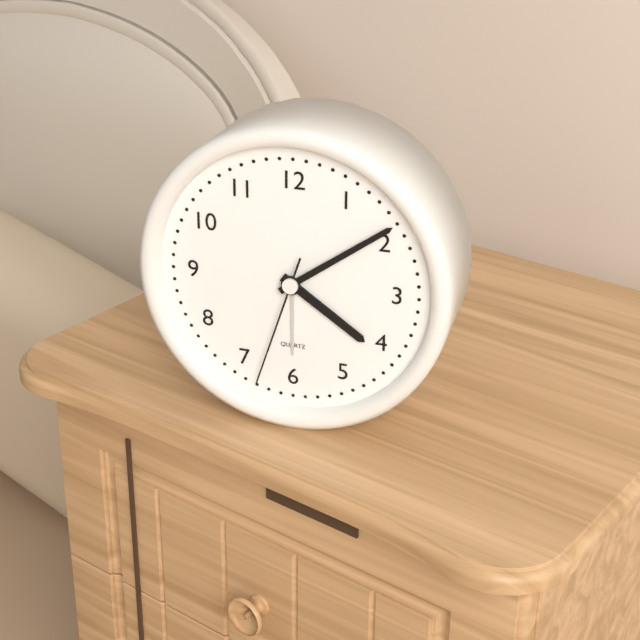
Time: h=4 m=9 s=33
